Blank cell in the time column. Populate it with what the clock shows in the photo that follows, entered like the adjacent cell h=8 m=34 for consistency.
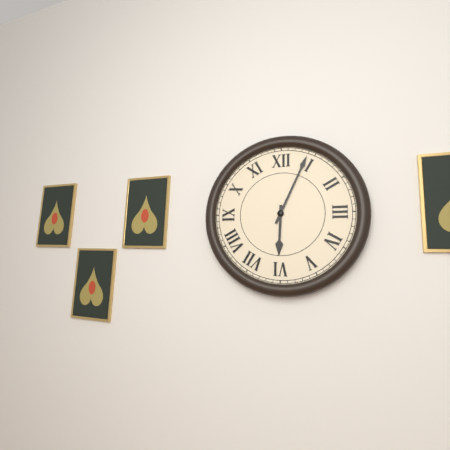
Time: h=6 m=4
